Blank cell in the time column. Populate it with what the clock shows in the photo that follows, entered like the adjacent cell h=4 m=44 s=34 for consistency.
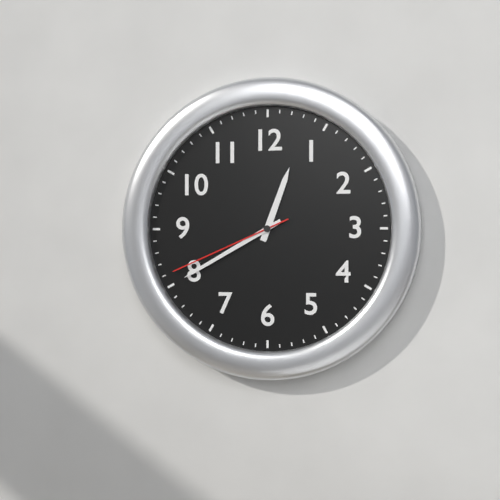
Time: h=12 m=40 s=41
